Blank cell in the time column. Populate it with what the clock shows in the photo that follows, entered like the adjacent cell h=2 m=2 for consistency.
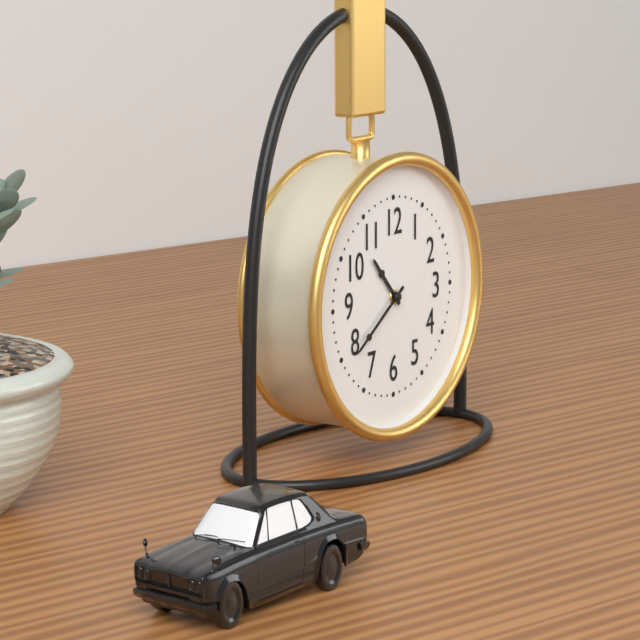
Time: h=10 m=39
